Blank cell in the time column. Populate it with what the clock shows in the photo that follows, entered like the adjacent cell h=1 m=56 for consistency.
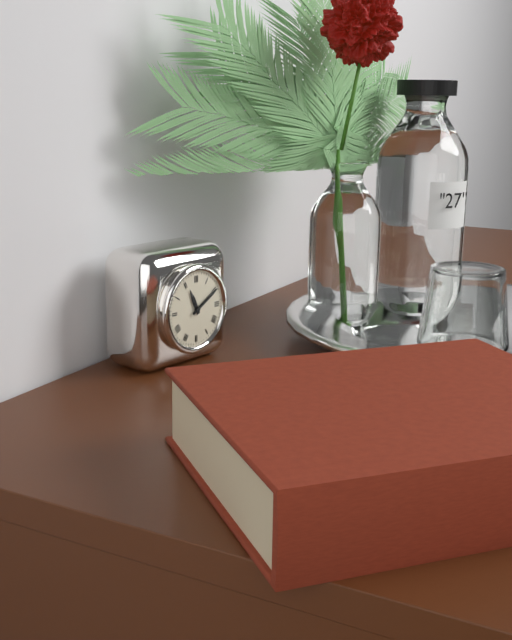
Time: h=11 m=10
